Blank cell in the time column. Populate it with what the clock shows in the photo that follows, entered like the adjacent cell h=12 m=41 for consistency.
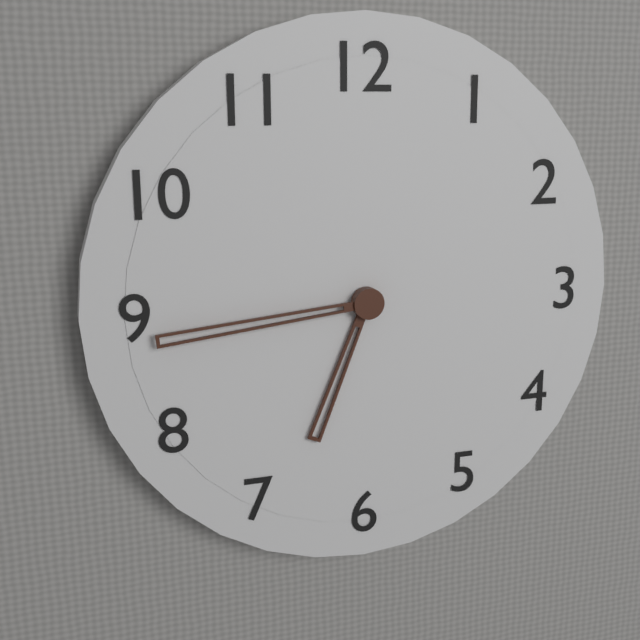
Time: h=6 m=44
